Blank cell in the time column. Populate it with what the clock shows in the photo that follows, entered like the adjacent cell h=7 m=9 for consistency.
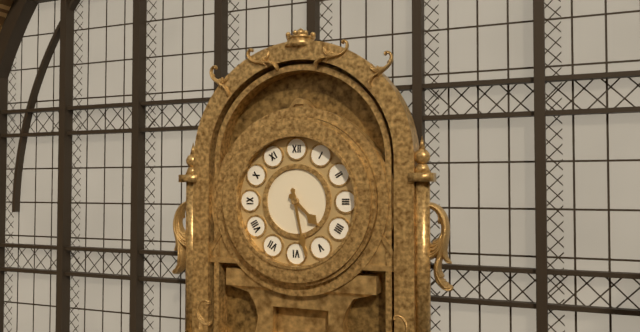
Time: h=4 m=28
